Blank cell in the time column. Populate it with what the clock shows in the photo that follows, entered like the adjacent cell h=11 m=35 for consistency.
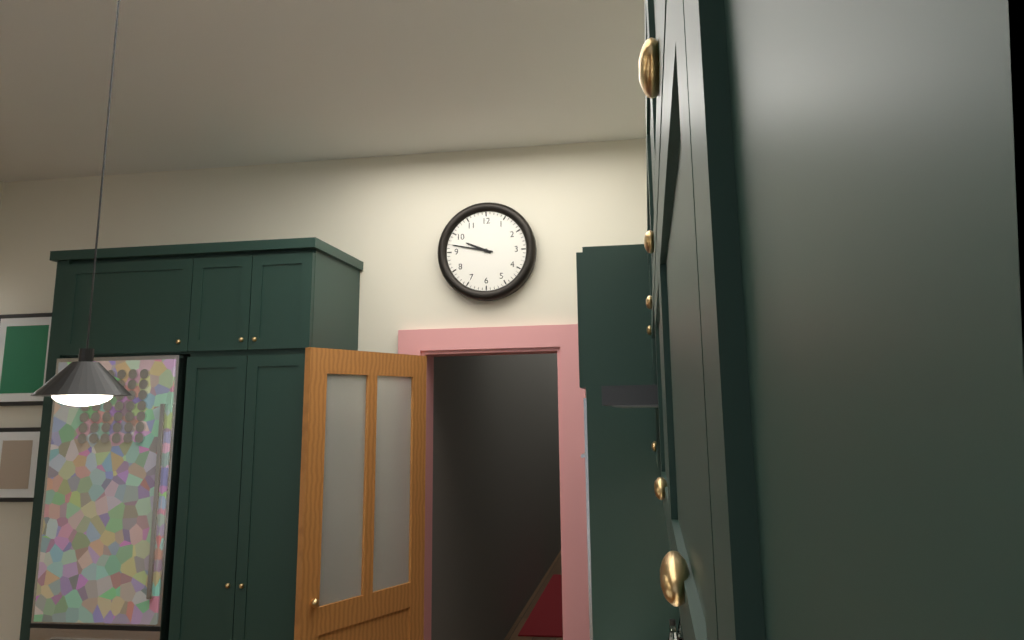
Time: h=9 m=47
